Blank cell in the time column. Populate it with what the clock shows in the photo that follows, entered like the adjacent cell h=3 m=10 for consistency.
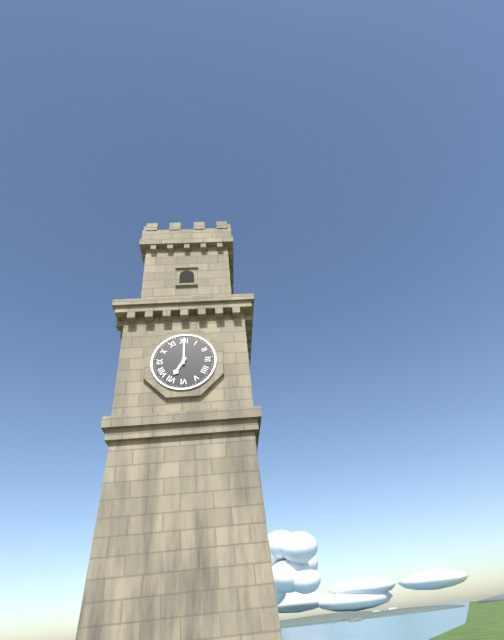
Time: h=7 m=0
